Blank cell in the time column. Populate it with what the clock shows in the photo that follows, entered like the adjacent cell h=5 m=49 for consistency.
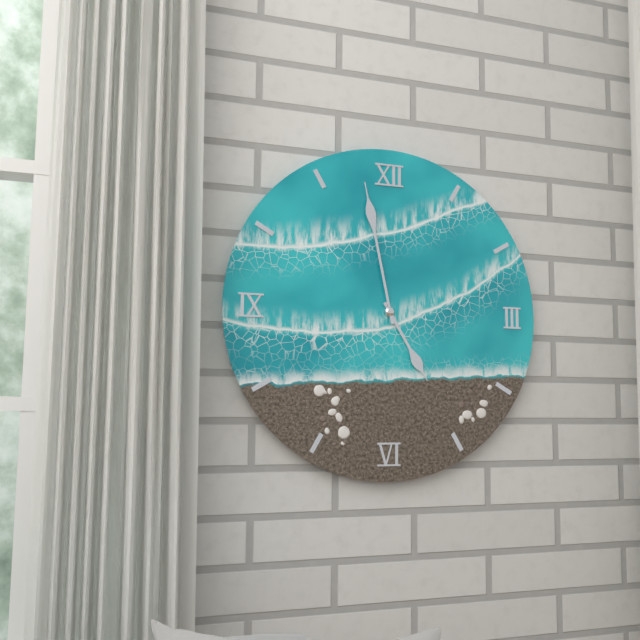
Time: h=4 m=58
